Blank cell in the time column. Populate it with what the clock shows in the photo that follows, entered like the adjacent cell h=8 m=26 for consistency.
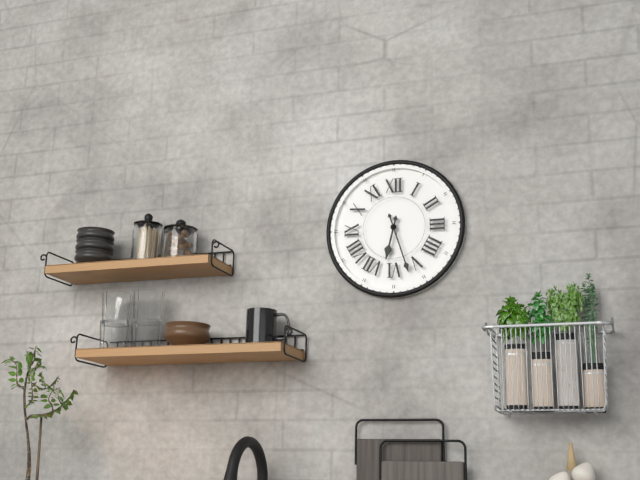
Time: h=6 m=27
